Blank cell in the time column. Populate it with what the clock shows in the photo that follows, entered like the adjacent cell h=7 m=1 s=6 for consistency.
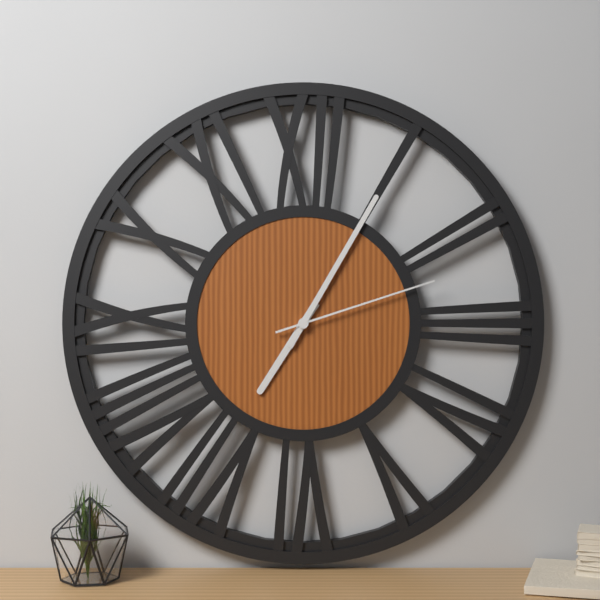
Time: h=7 m=5 s=12
